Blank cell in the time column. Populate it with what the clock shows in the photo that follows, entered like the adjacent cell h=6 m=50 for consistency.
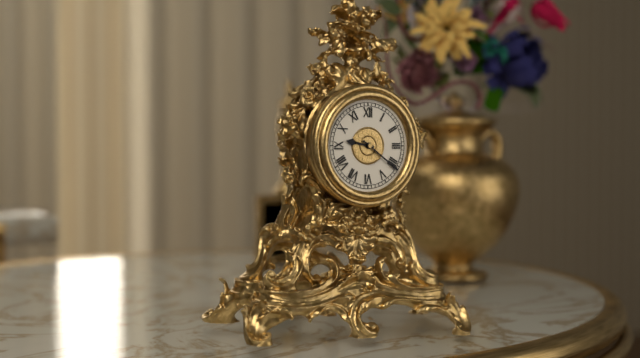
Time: h=9 m=21
